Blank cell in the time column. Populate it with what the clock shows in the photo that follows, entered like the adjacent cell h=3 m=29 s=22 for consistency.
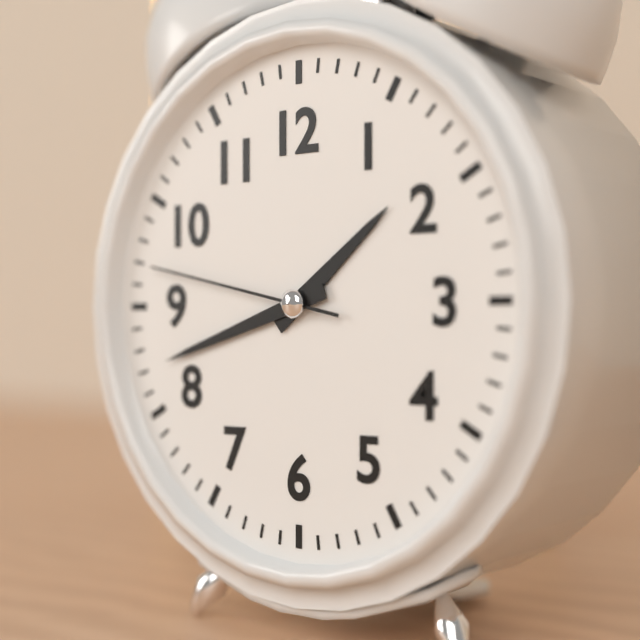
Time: h=1 m=42 s=47
